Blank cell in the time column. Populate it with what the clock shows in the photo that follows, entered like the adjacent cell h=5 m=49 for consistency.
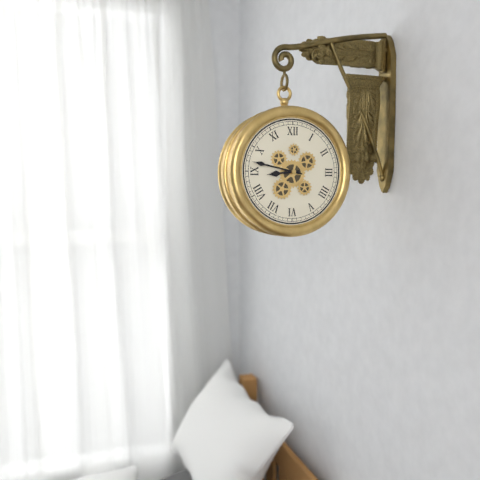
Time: h=8 m=47
